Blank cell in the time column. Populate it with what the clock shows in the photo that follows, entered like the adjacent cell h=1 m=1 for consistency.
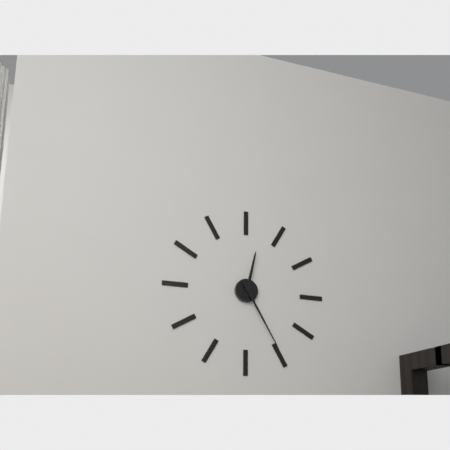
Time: h=12 m=25
